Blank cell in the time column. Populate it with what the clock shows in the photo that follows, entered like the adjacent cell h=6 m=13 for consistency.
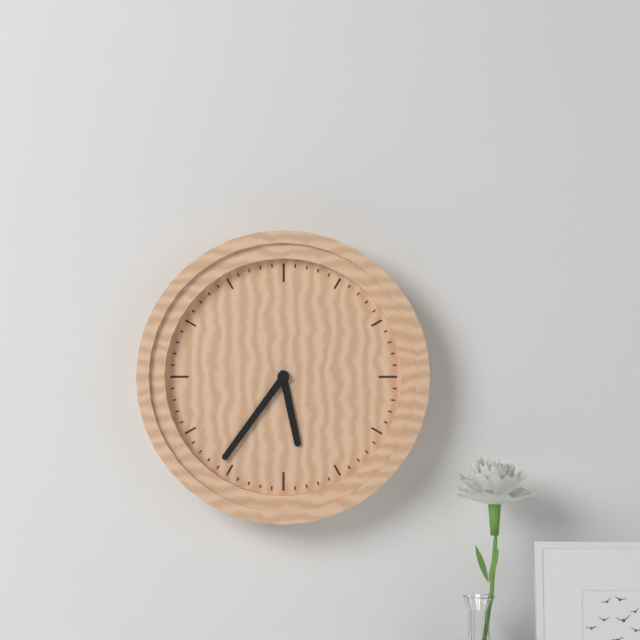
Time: h=5 m=36
